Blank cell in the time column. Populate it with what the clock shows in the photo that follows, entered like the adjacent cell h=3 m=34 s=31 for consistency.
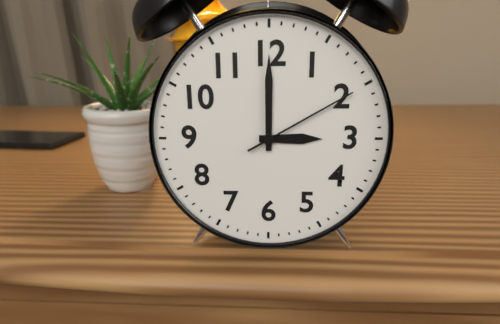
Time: h=3 m=0 s=10
